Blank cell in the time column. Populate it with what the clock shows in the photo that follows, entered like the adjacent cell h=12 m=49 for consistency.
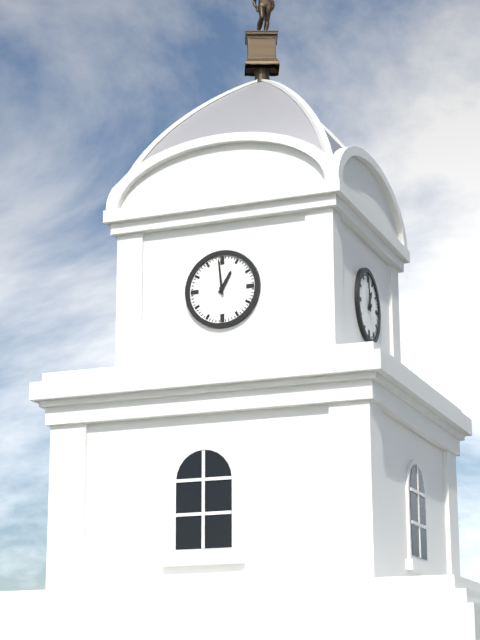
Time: h=12 m=59
